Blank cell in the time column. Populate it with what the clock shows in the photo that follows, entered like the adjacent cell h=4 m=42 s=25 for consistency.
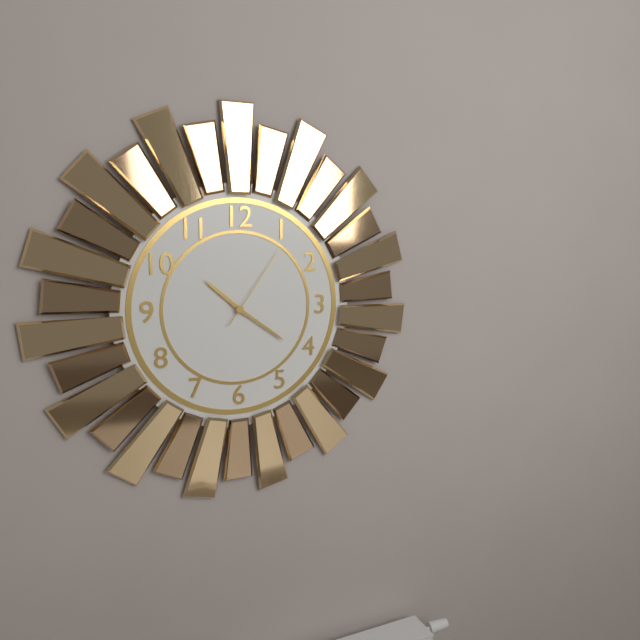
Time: h=10 m=21 s=6
